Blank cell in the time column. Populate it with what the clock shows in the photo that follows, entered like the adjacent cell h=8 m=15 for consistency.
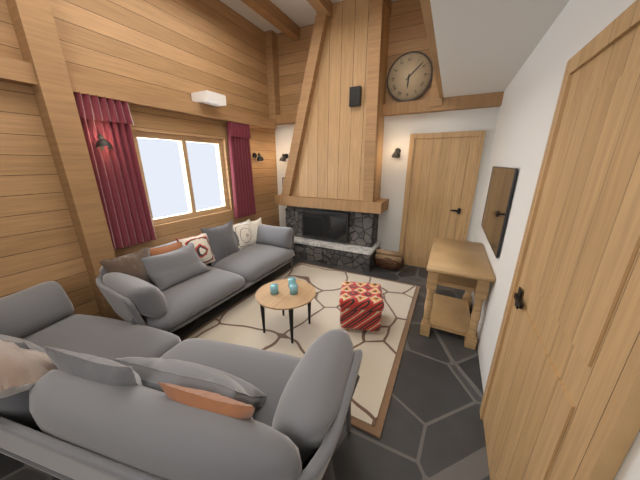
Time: h=6 m=8
